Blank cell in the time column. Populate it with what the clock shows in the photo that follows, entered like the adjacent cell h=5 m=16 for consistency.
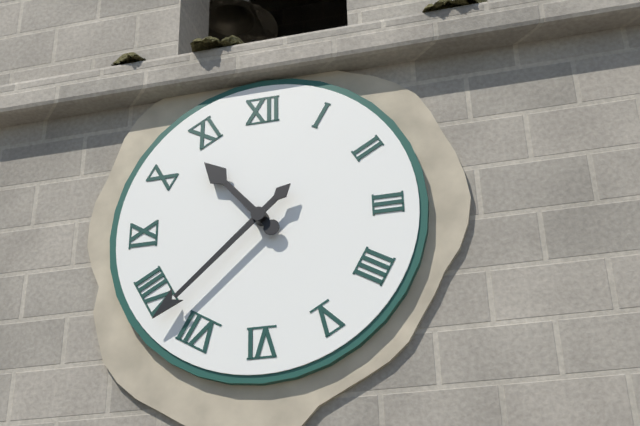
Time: h=10 m=38
